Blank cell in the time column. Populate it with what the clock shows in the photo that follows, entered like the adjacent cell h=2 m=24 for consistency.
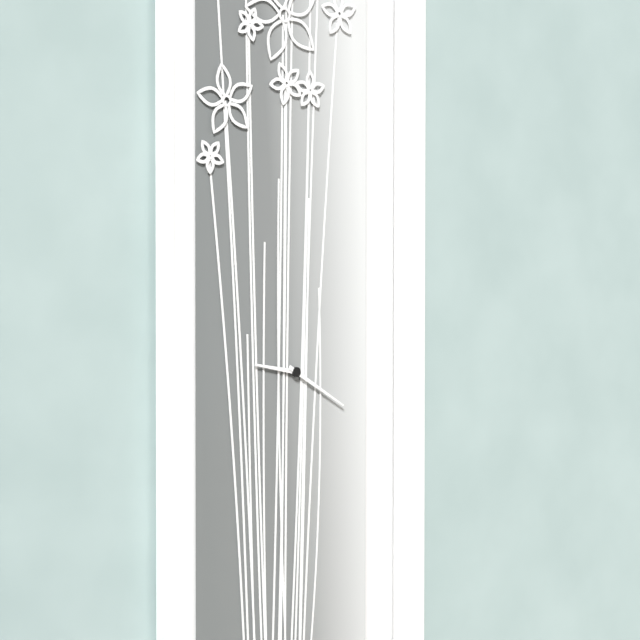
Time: h=9 m=20
